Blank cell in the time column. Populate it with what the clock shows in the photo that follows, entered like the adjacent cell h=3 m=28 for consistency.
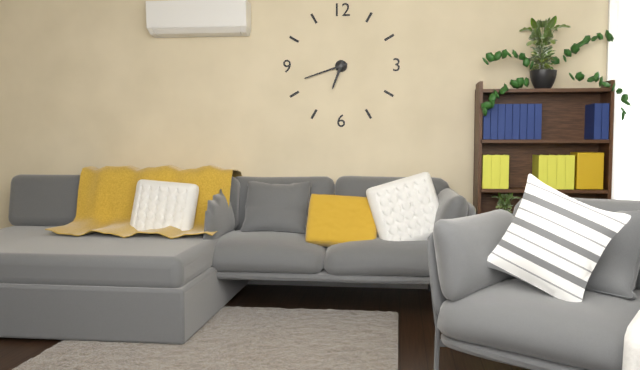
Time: h=6 m=42
